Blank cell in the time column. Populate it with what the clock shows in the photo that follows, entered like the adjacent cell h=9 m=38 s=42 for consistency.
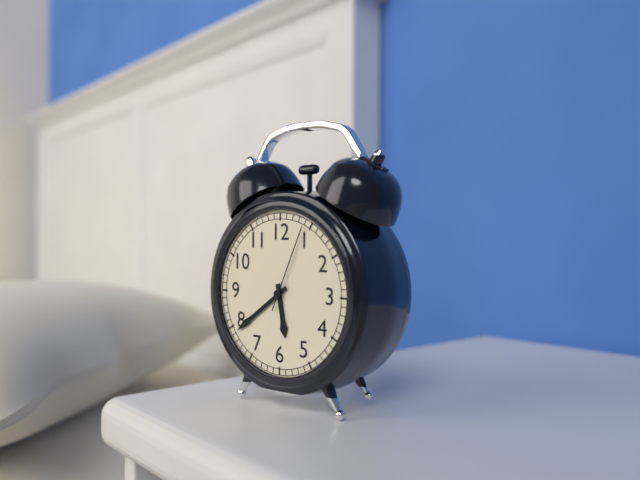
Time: h=5 m=39 s=4
